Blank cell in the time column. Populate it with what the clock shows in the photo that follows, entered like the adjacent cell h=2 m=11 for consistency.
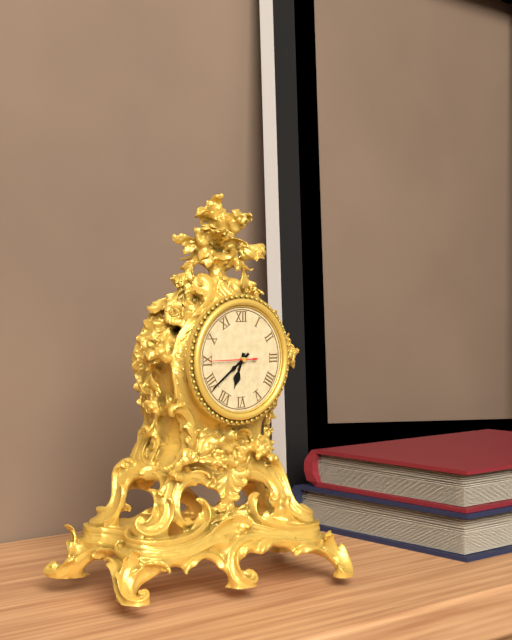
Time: h=6 m=39
